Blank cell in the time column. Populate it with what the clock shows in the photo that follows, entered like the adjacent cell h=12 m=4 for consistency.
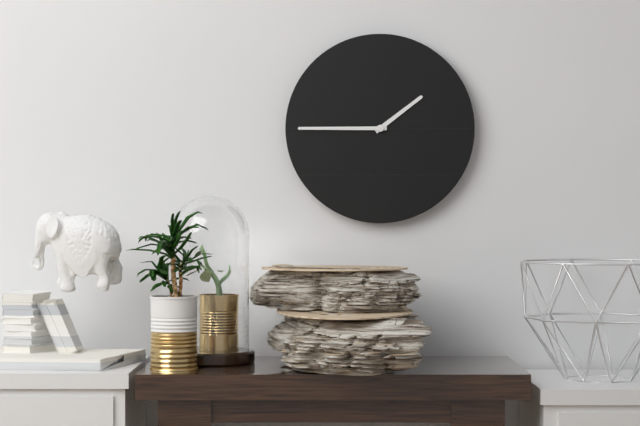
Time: h=1 m=45
